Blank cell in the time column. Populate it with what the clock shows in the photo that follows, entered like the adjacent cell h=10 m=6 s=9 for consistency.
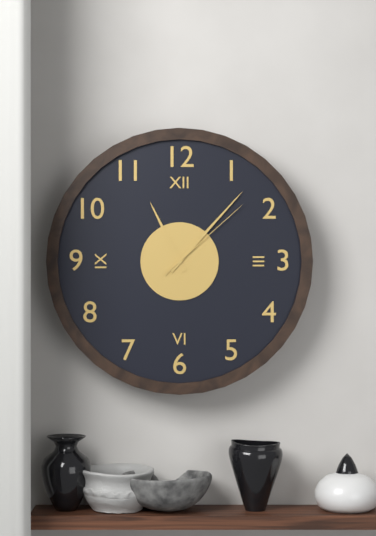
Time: h=11 m=7 s=8
